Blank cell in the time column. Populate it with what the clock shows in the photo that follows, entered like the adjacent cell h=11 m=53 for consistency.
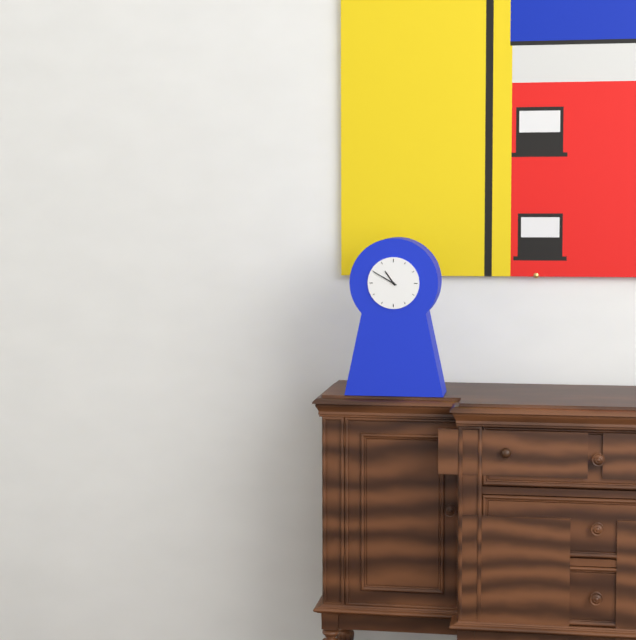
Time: h=10 m=50
